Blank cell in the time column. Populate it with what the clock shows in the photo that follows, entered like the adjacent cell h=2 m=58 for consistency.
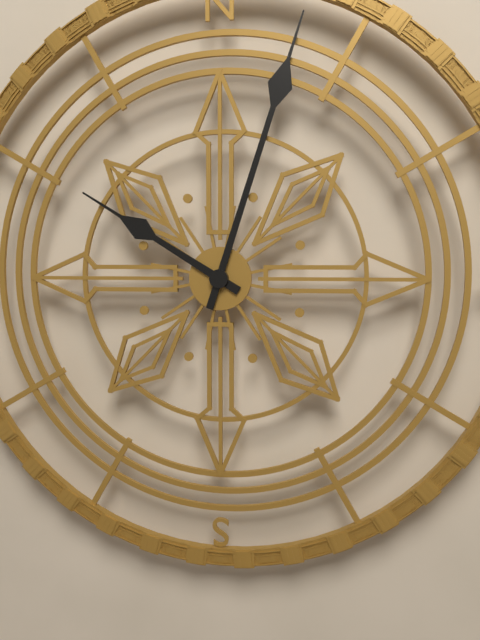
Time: h=10 m=3
